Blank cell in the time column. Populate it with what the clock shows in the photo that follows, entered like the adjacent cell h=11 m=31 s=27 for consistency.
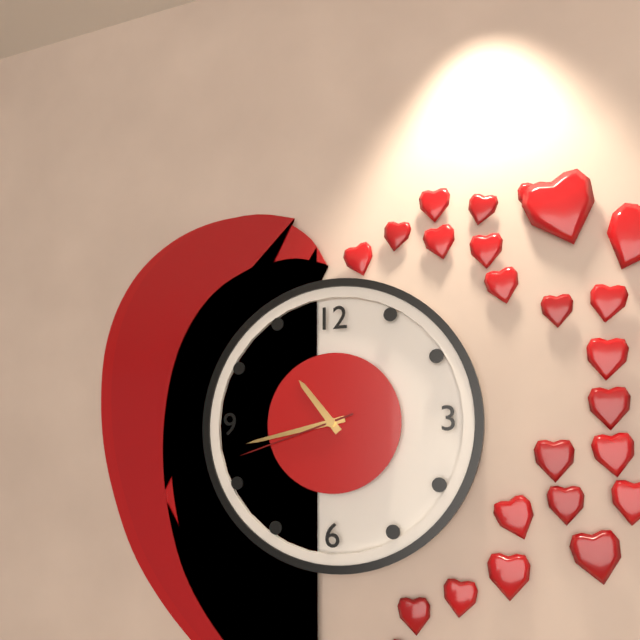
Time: h=10 m=43 s=42
